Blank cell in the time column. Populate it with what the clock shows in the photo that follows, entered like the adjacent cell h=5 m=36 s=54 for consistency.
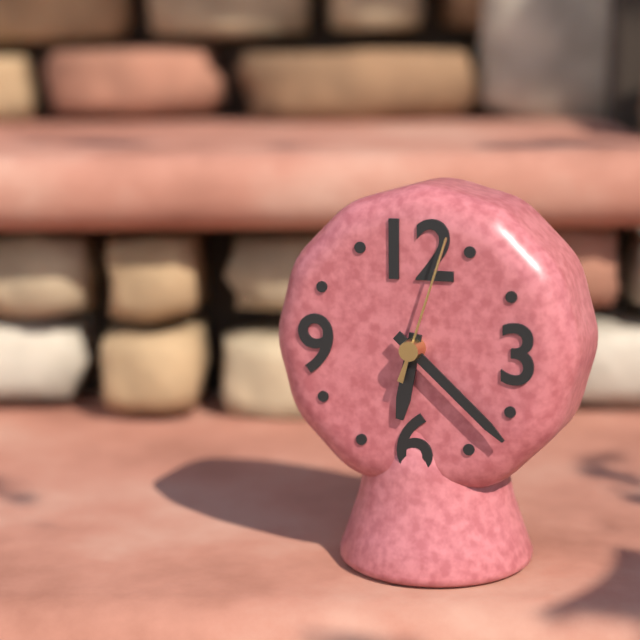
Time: h=6 m=22 s=3
